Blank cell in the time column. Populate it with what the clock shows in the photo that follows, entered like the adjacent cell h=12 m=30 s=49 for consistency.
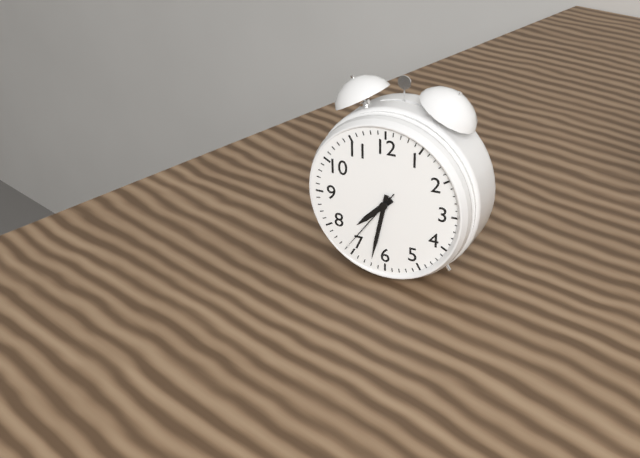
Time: h=7 m=32 s=36
